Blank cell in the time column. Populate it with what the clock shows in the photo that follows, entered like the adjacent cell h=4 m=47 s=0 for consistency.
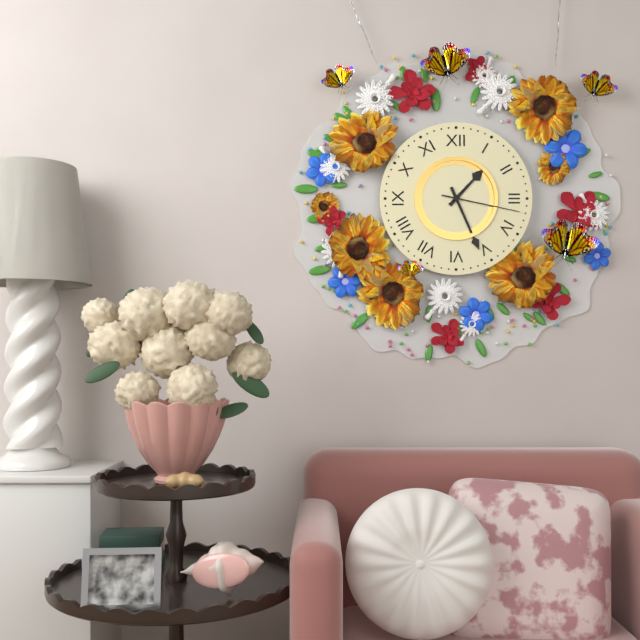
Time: h=1 m=26 s=17
